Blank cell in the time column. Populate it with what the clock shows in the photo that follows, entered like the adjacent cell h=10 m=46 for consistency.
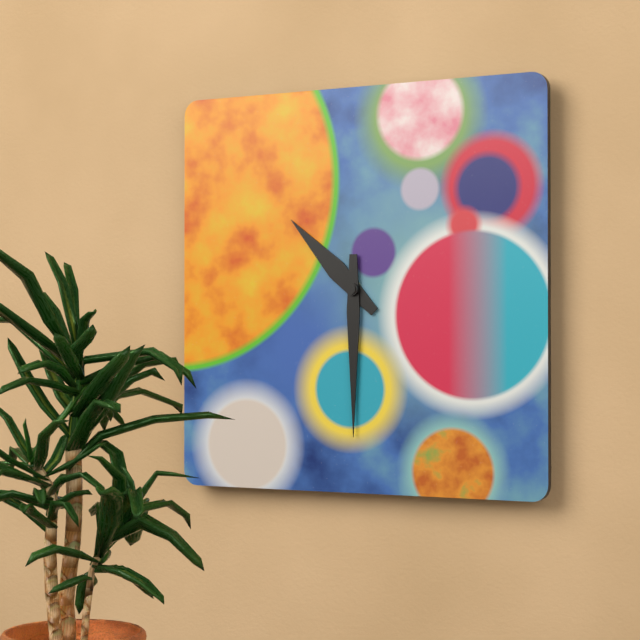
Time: h=10 m=30
